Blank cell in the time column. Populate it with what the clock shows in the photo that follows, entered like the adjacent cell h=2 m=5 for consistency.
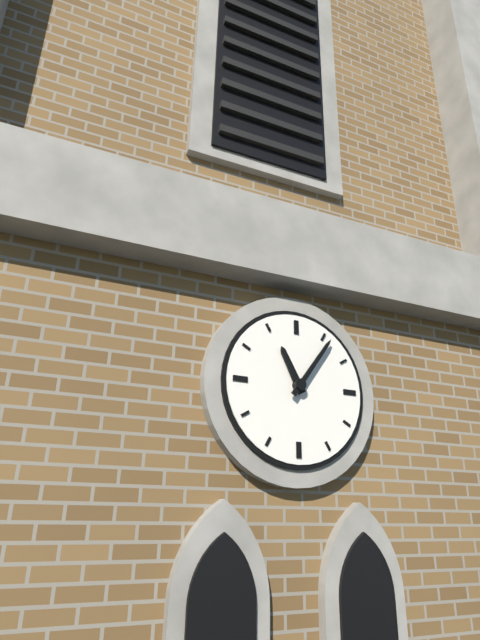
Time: h=11 m=6
